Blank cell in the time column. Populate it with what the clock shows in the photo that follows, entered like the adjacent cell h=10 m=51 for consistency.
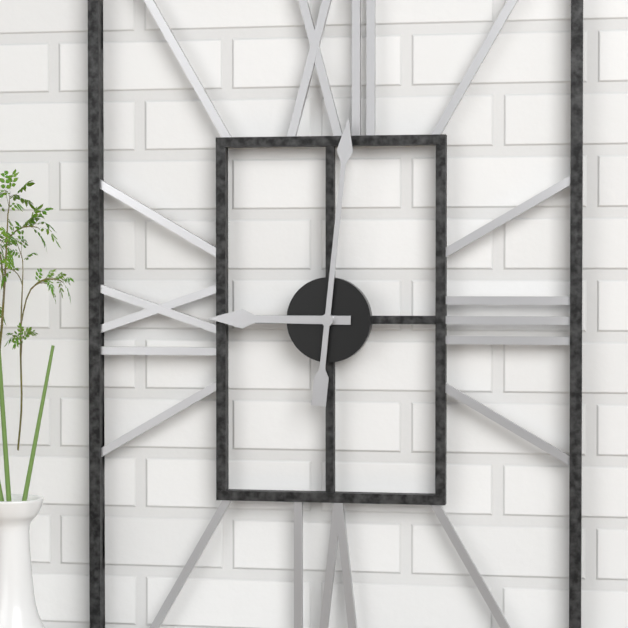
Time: h=9 m=1
